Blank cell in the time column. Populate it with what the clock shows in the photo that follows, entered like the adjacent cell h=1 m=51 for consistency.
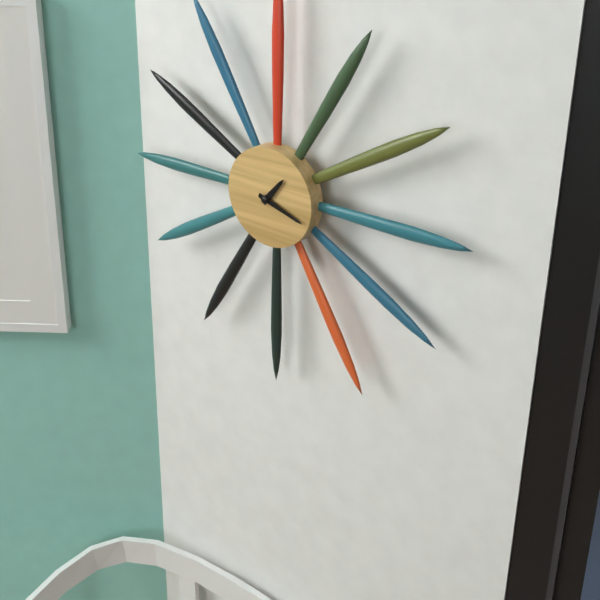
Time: h=1 m=18
